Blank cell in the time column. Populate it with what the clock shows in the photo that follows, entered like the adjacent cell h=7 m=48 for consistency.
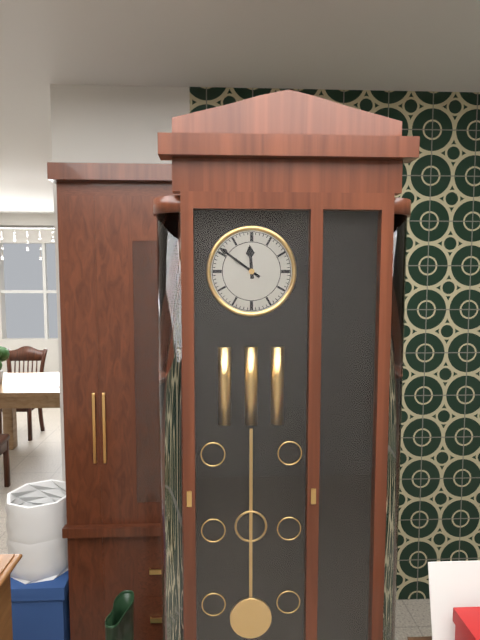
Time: h=11 m=51
